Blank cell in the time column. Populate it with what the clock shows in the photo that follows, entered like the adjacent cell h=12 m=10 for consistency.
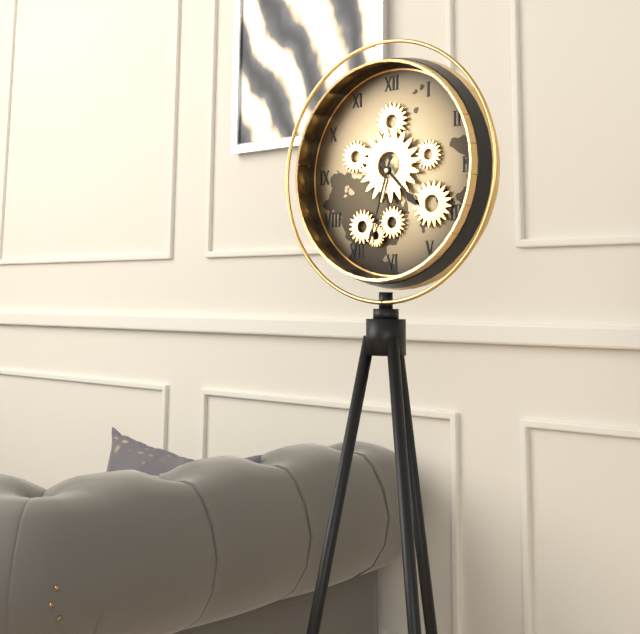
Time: h=4 m=33
